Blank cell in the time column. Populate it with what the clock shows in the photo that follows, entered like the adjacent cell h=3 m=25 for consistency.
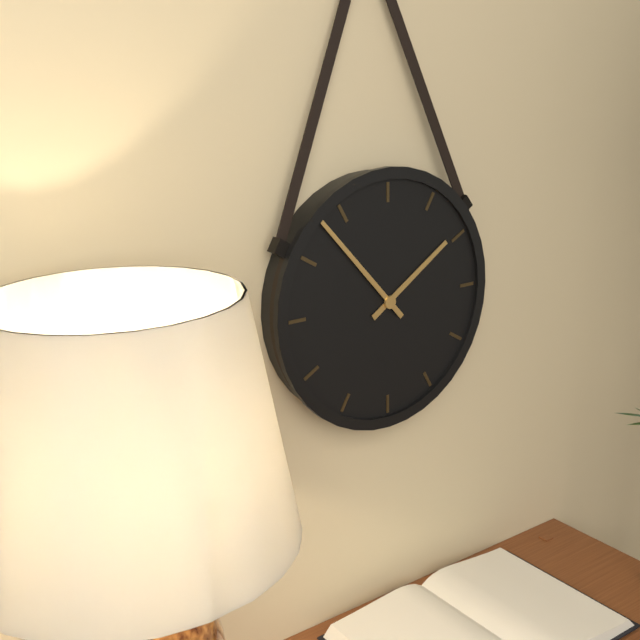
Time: h=1 m=53
